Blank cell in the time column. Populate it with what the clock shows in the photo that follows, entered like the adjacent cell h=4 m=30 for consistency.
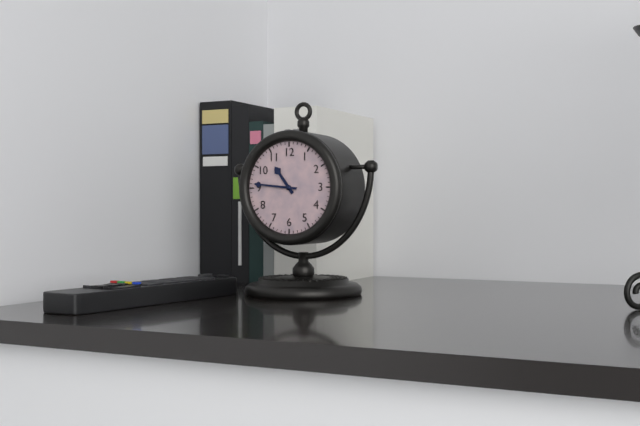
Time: h=10 m=46
